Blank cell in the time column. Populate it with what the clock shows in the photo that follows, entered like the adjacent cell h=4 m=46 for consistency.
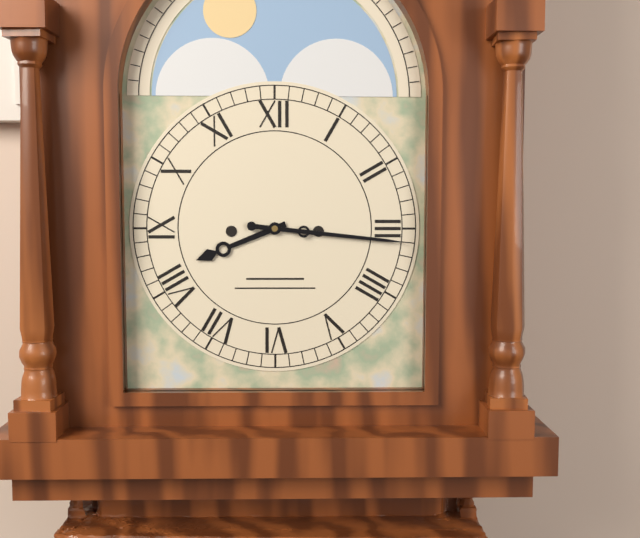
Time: h=8 m=16
